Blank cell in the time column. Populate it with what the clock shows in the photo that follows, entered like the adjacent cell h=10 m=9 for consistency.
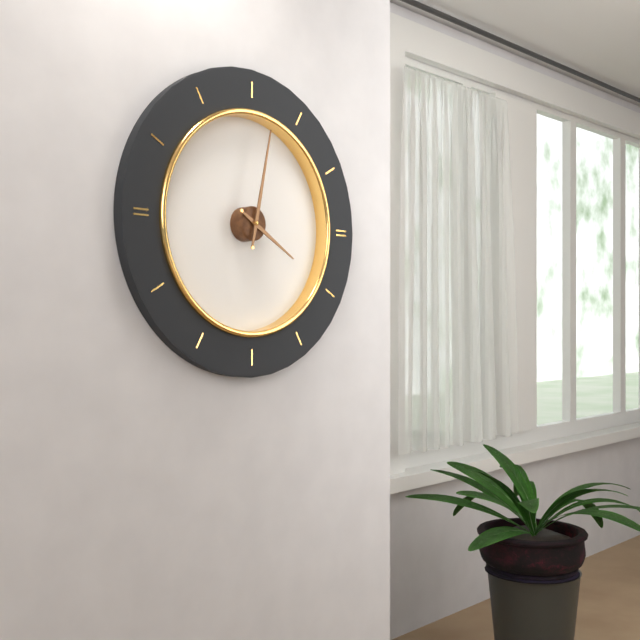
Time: h=4 m=2
